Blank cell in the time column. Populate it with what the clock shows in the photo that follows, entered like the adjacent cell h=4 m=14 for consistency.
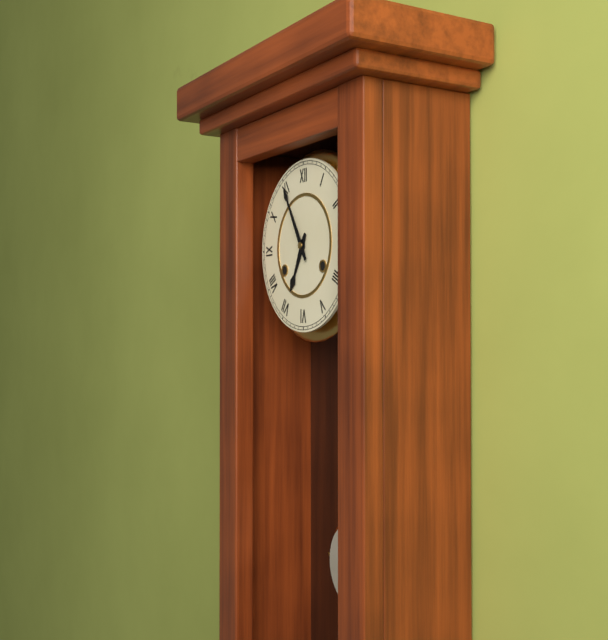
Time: h=6 m=55
